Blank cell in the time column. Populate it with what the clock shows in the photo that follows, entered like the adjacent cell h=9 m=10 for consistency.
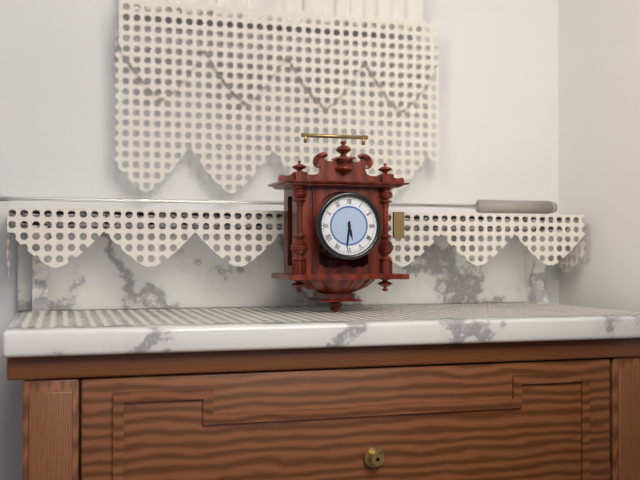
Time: h=5 m=31
